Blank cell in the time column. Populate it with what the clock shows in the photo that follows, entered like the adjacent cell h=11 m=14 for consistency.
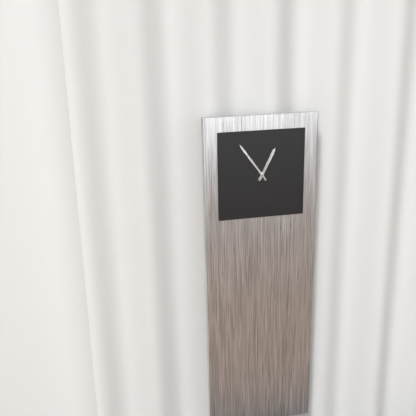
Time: h=12 m=54
